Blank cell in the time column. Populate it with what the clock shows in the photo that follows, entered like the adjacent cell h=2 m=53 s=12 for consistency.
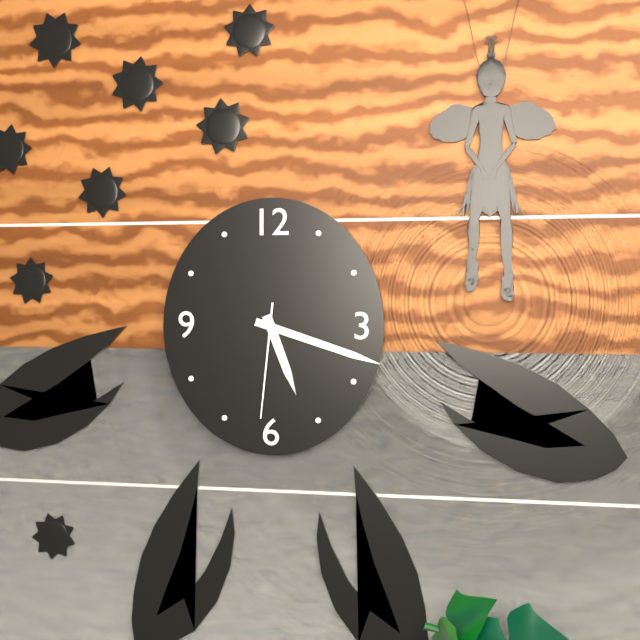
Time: h=5 m=18 s=31
